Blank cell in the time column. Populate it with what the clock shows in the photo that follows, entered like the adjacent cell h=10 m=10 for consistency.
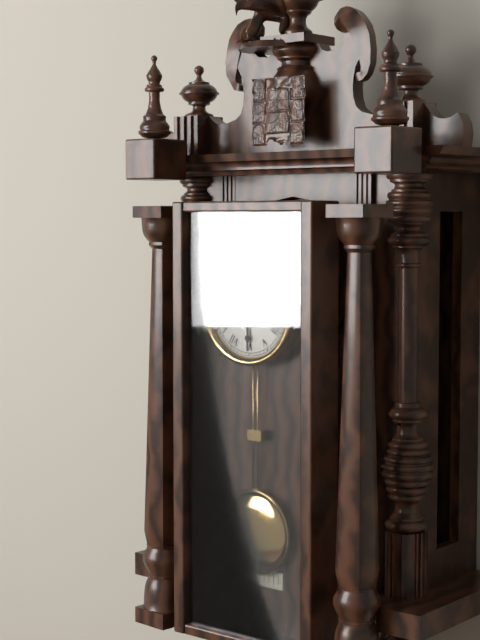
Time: h=1 m=30
